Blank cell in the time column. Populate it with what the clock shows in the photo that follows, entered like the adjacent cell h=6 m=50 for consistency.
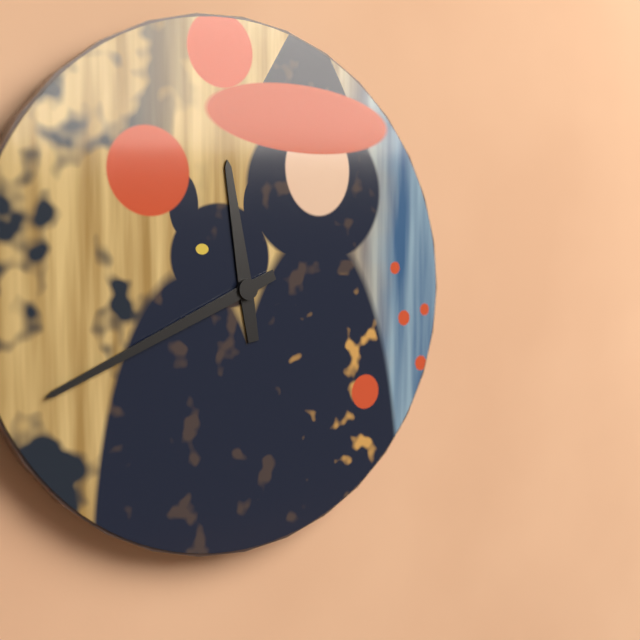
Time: h=11 m=41
